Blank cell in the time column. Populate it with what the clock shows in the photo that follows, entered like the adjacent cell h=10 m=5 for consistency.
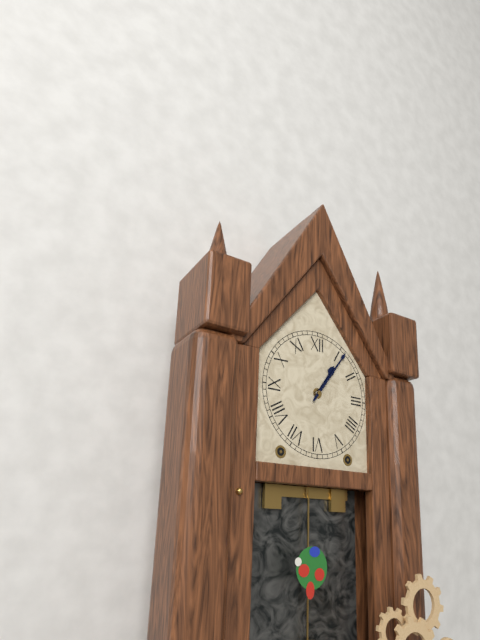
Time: h=1 m=6
